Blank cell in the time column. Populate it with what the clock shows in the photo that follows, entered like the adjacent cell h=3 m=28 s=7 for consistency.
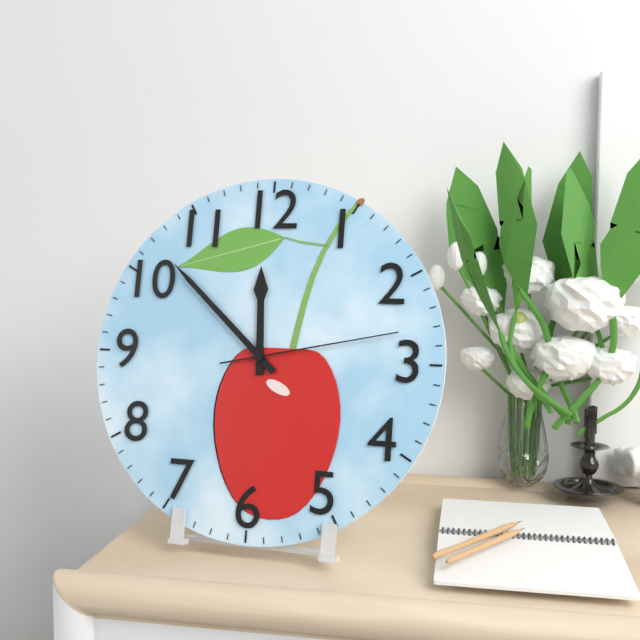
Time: h=11 m=52 s=13
